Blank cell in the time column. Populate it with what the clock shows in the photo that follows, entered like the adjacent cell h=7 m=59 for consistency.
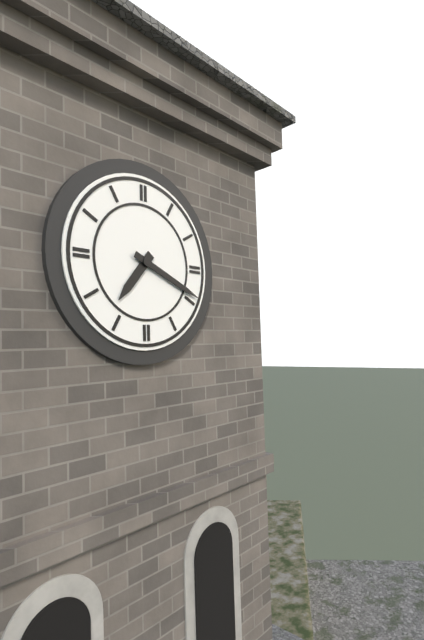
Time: h=7 m=19
